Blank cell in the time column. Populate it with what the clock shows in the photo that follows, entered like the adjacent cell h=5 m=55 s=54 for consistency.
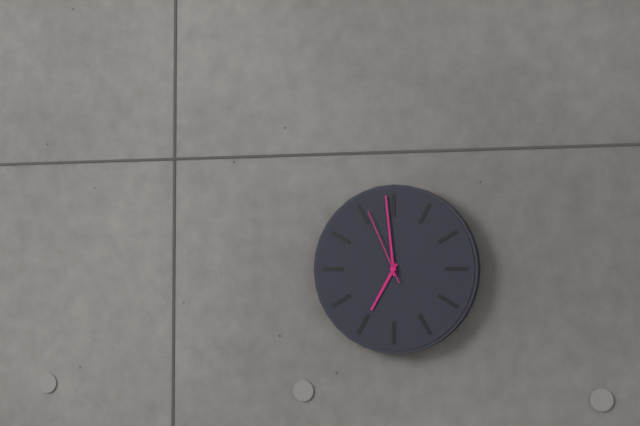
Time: h=6 m=59 s=56
